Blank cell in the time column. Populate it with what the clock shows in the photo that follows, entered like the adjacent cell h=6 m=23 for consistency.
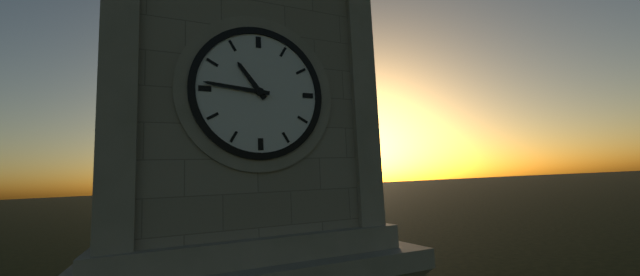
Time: h=10 m=46
